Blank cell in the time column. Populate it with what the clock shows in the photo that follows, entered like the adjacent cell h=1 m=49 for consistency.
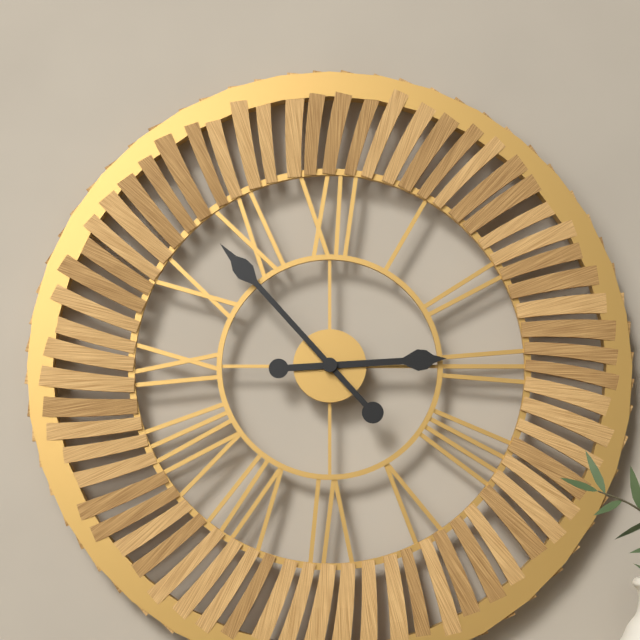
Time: h=2 m=53
